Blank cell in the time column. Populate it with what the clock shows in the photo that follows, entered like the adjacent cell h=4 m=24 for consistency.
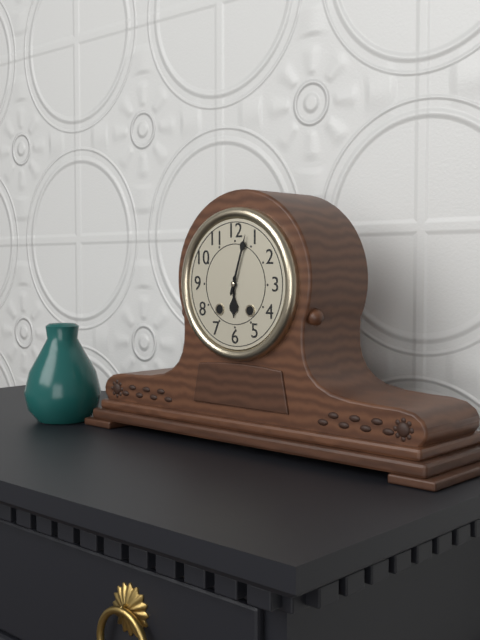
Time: h=6 m=3
